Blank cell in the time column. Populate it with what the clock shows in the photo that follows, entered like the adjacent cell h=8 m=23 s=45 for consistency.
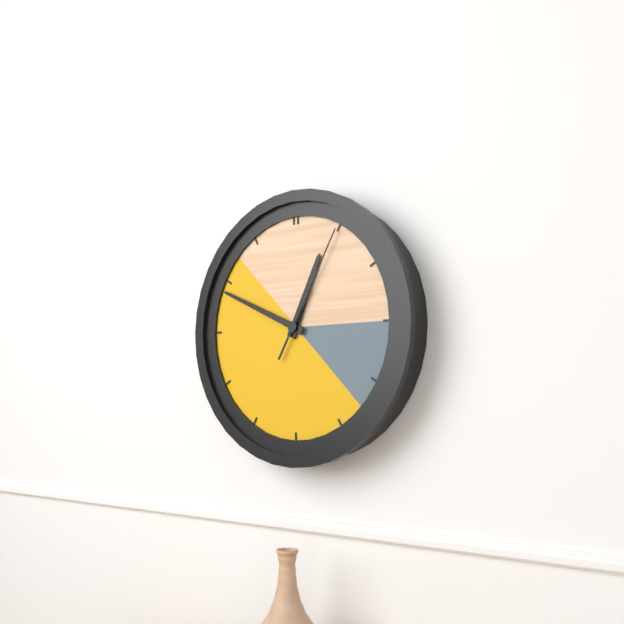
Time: h=12 m=49 s=5
